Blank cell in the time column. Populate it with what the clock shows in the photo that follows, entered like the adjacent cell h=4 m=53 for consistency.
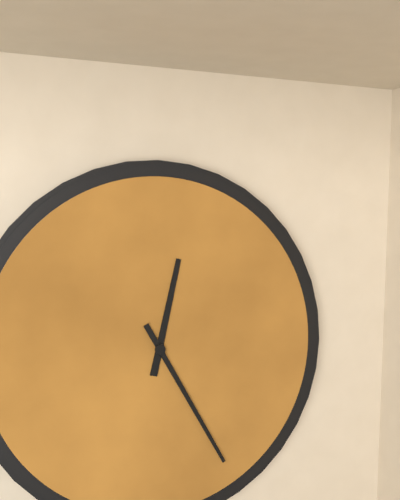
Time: h=12 m=25
